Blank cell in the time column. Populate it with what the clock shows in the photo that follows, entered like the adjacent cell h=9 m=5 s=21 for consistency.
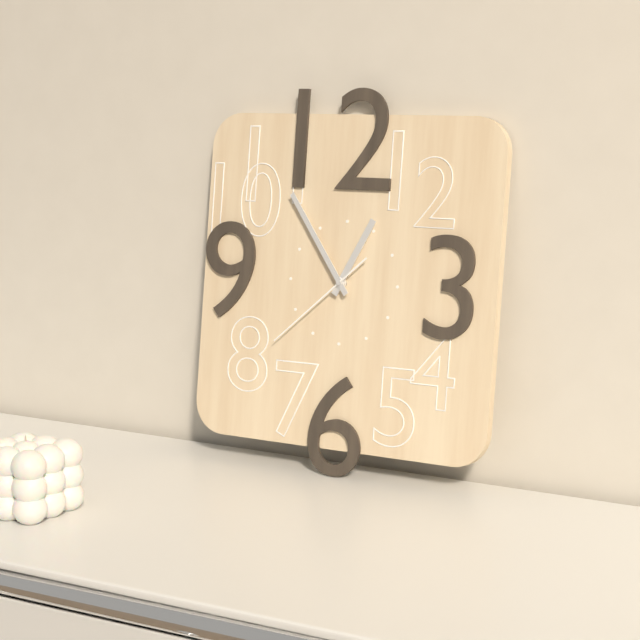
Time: h=12 m=54 s=38
